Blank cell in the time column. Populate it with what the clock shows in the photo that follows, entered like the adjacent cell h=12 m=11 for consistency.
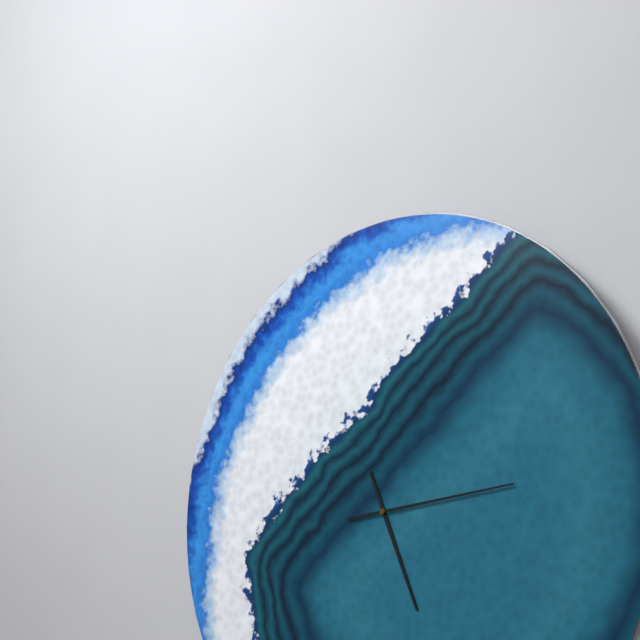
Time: h=5 m=14
